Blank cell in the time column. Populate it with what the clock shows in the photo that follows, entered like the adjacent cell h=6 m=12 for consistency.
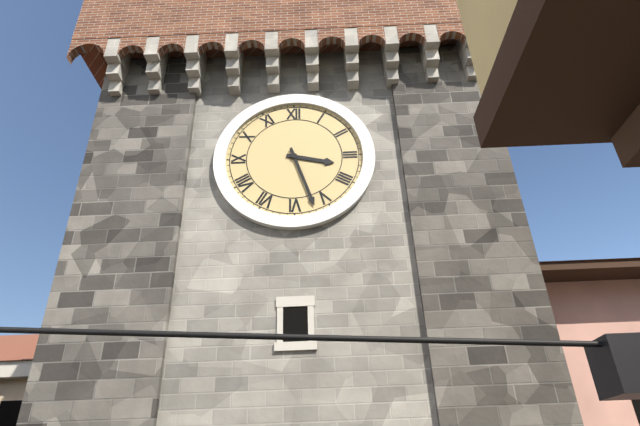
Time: h=3 m=27
